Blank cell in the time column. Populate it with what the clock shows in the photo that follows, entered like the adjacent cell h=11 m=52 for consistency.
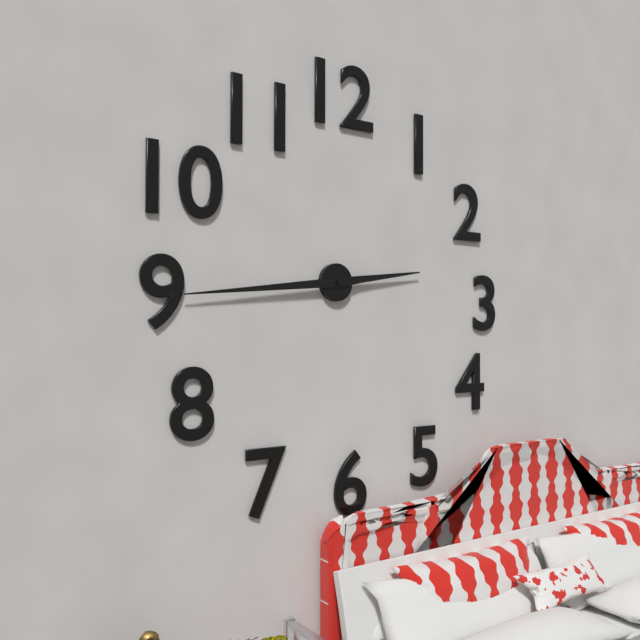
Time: h=2 m=44
